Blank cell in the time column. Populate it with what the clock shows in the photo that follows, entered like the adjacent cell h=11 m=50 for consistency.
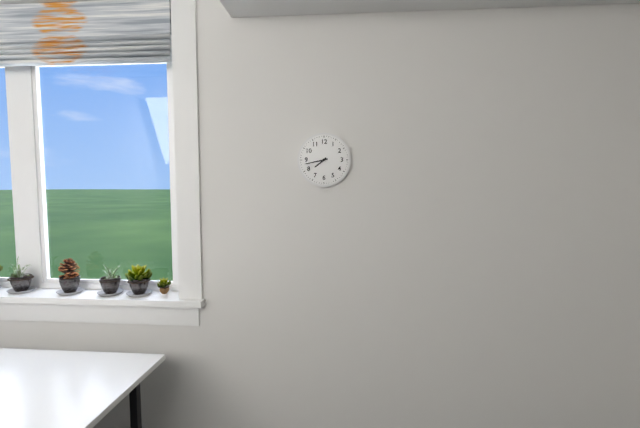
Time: h=7 m=43
